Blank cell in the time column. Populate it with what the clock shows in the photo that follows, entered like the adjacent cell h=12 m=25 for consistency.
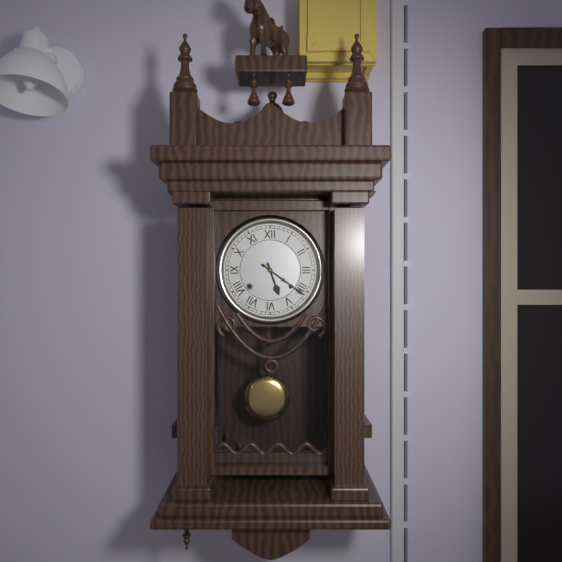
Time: h=5 m=21
